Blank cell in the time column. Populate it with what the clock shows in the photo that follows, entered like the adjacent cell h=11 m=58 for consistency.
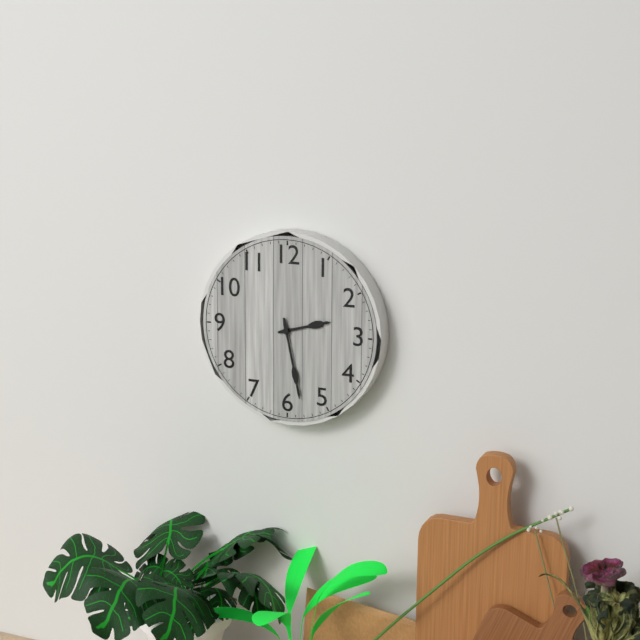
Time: h=2 m=28
